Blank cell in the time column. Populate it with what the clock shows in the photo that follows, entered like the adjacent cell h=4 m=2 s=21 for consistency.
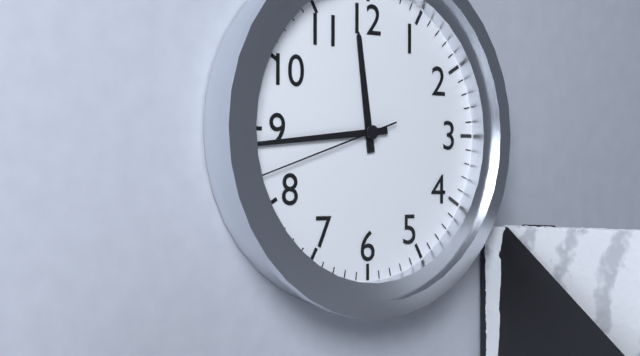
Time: h=11 m=44 s=42
